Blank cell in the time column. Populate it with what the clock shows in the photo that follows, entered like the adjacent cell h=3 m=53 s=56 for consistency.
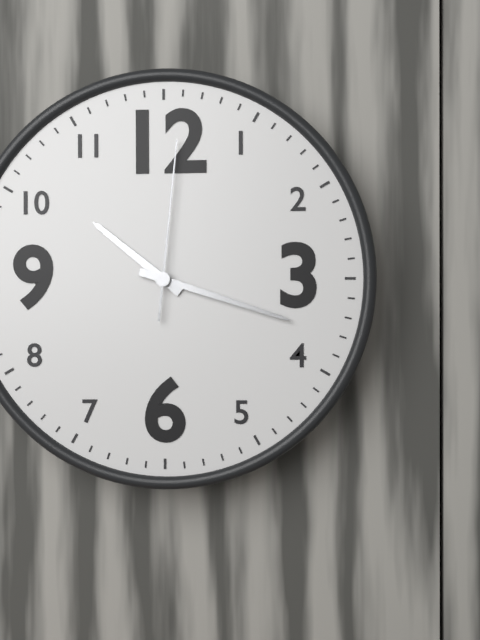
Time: h=10 m=18 s=1
